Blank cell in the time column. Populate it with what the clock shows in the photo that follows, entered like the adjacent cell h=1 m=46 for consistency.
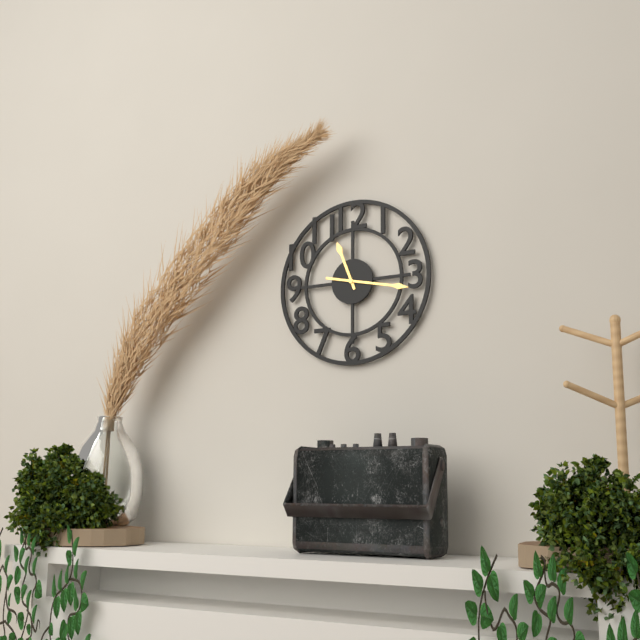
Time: h=11 m=17
